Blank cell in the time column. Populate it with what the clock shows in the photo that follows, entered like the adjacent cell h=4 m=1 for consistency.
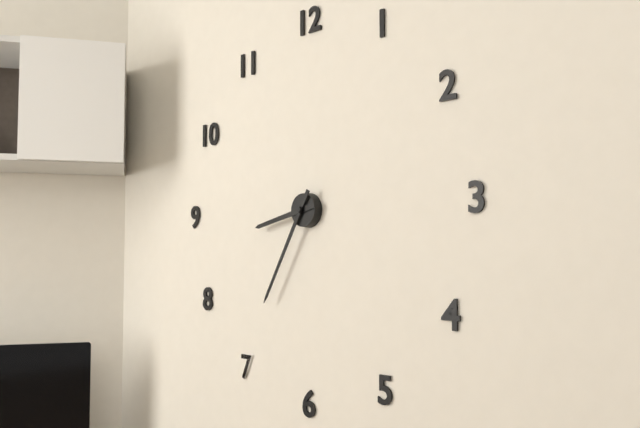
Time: h=8 m=35
